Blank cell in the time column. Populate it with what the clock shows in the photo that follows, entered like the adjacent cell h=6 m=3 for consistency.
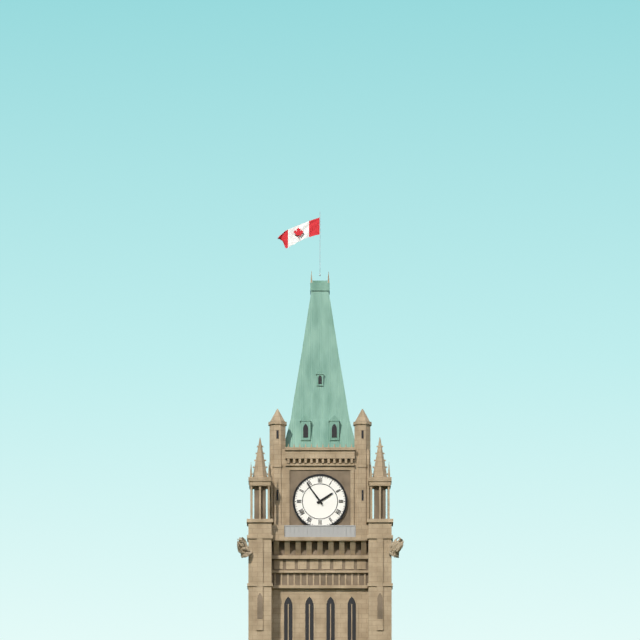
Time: h=1 m=54
